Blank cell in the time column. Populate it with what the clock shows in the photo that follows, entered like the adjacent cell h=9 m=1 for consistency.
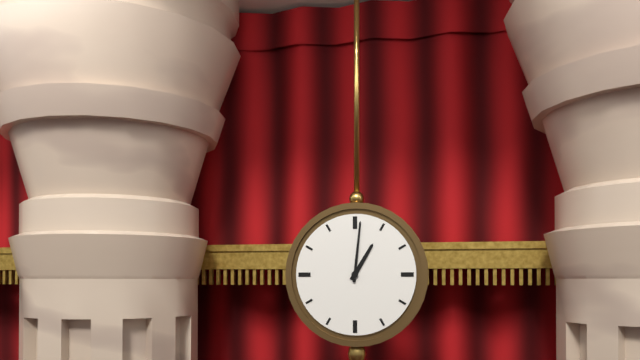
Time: h=1 m=1
